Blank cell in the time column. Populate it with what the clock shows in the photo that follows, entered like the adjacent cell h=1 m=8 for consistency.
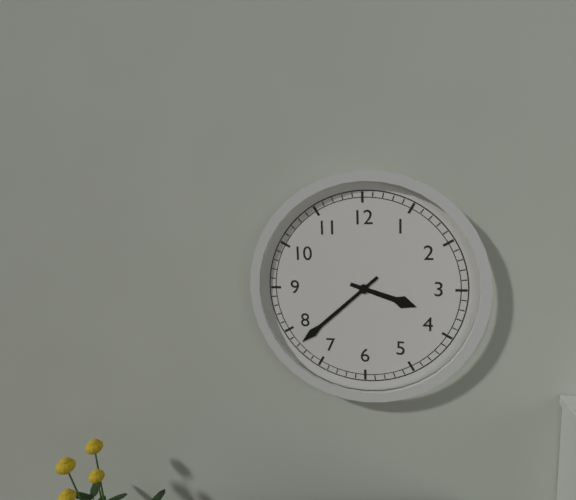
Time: h=3 m=38
